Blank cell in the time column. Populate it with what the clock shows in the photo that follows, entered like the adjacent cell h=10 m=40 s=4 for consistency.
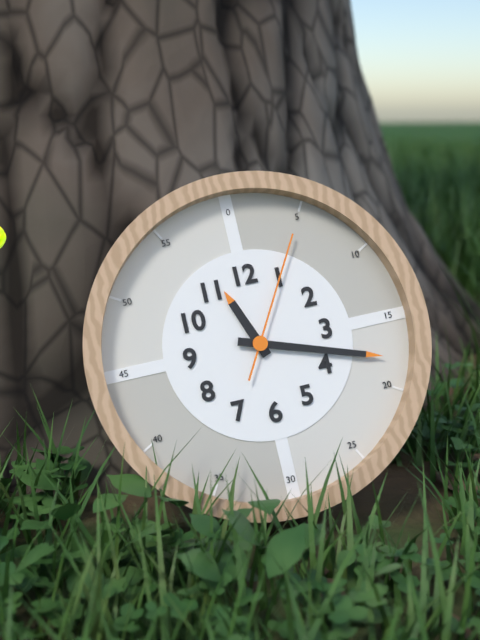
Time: h=11 m=18 s=5
